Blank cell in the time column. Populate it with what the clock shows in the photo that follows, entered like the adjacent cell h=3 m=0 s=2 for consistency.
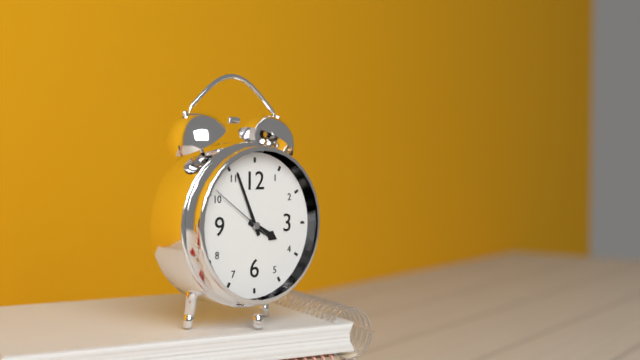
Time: h=3 m=56 s=51
